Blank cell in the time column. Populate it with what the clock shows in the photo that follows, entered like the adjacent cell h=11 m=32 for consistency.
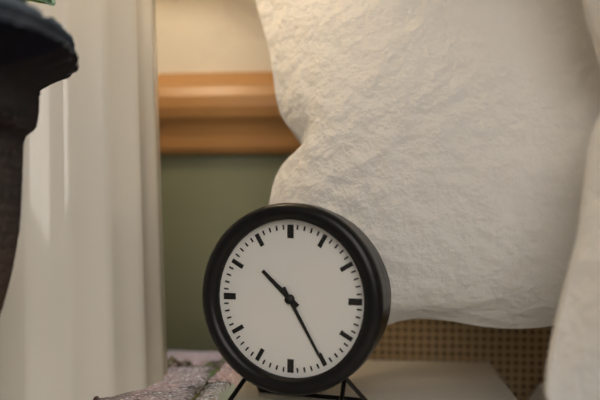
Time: h=10 m=25
